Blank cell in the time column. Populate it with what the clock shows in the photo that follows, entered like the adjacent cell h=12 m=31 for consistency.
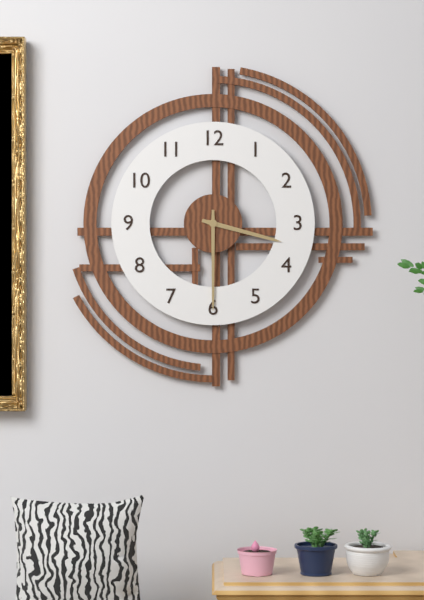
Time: h=3 m=30
